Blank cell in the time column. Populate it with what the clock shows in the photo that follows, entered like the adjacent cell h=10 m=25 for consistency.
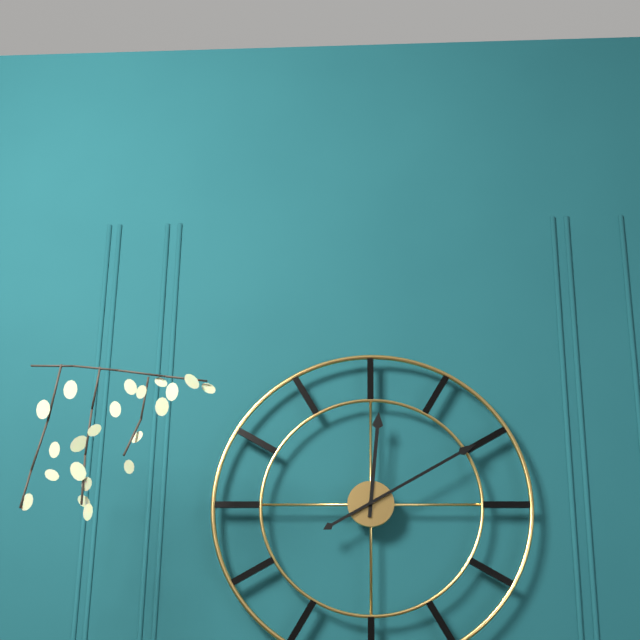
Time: h=12 m=10
